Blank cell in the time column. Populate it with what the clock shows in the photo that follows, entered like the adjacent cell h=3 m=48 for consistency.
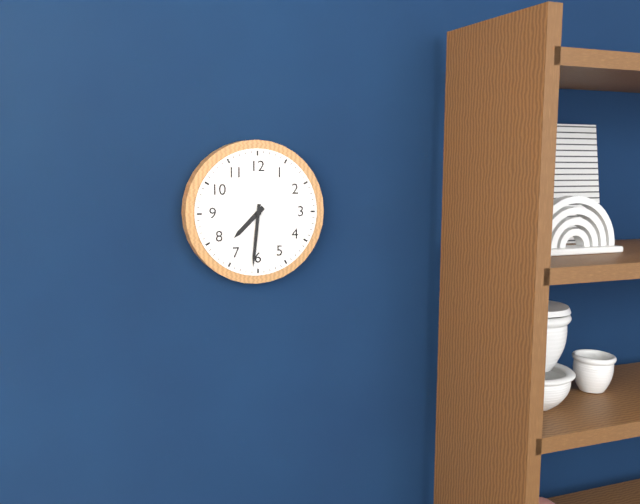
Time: h=7 m=31
